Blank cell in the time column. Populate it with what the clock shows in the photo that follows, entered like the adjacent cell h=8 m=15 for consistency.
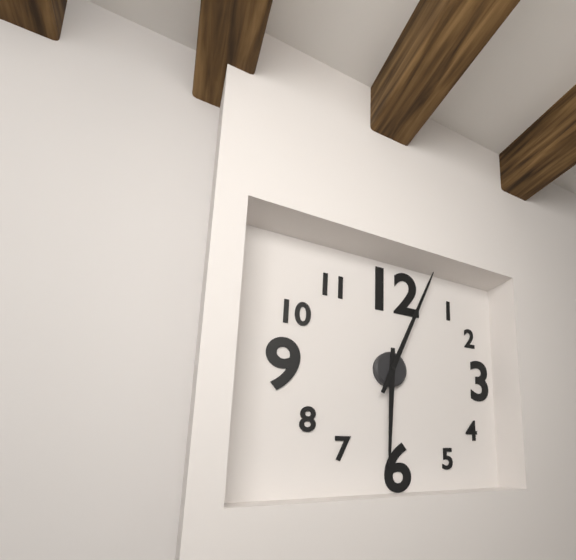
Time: h=6 m=4
